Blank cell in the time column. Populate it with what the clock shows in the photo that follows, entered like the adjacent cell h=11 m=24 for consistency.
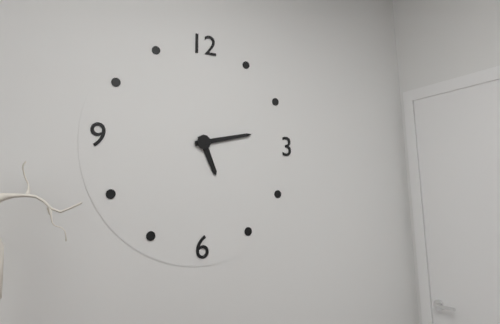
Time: h=5 m=13
